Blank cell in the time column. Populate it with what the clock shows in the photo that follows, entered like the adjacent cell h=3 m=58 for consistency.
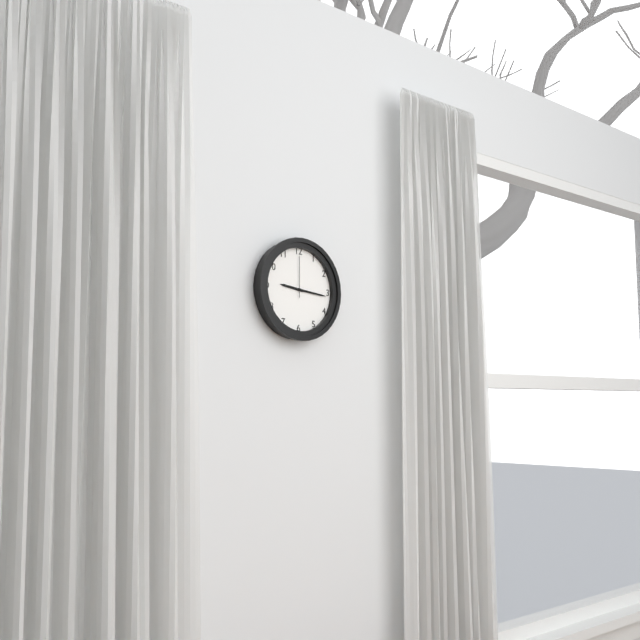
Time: h=9 m=16
